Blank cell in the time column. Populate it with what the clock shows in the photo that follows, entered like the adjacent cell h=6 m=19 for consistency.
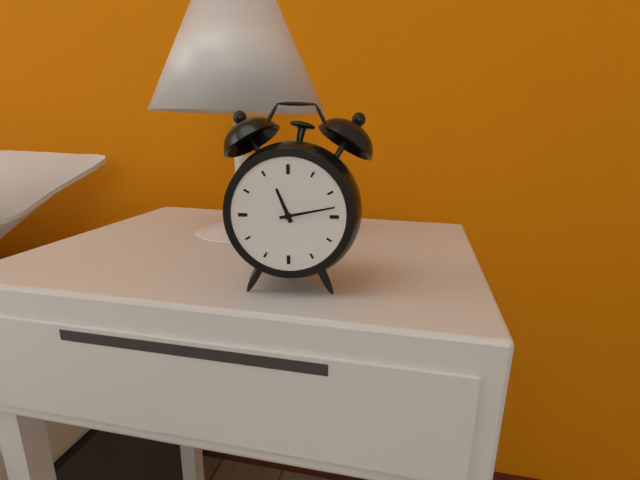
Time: h=11 m=13
